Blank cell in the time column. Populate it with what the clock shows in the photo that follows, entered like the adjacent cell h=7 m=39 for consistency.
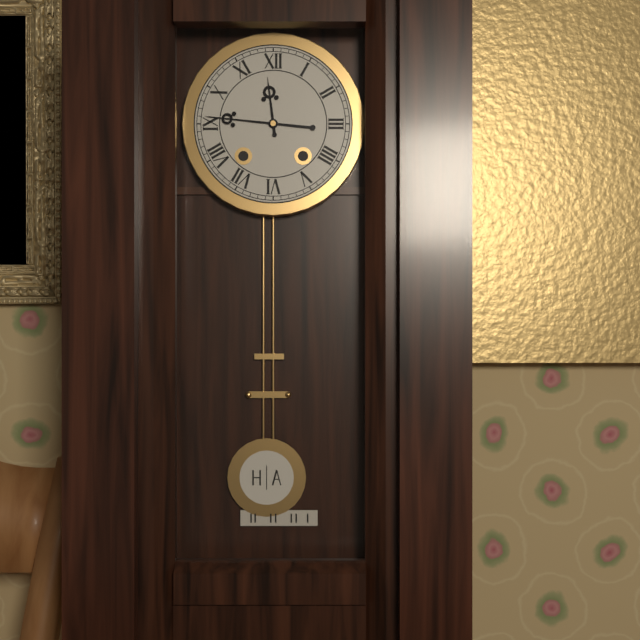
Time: h=11 m=46
